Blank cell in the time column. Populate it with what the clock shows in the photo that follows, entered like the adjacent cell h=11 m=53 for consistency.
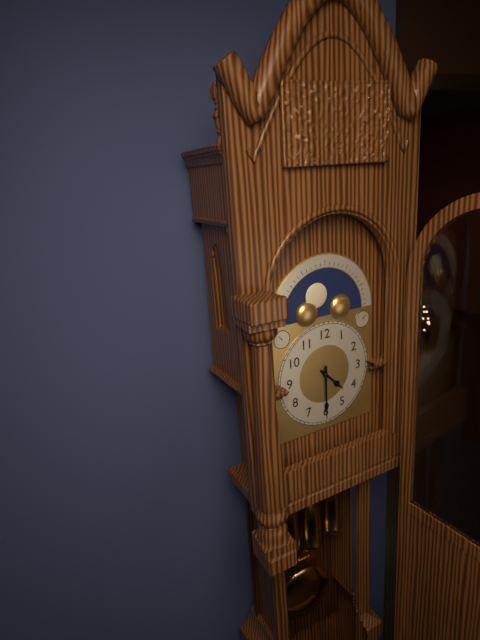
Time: h=4 m=30
